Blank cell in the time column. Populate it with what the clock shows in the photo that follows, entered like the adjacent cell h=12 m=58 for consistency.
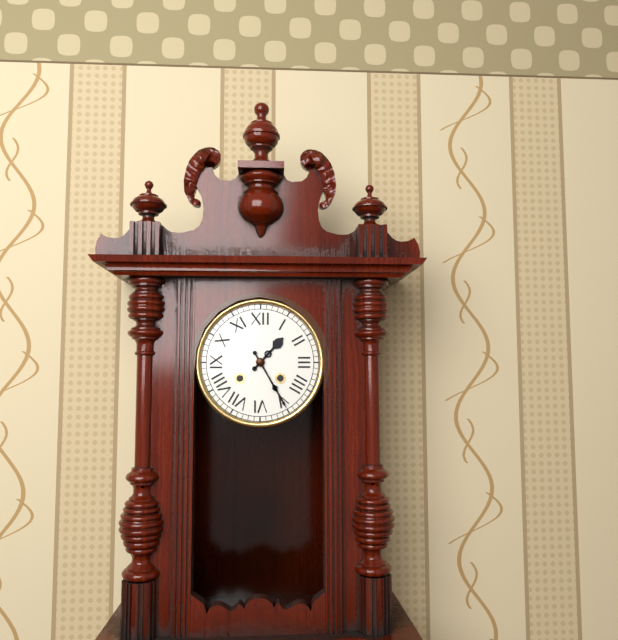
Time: h=1 m=25
